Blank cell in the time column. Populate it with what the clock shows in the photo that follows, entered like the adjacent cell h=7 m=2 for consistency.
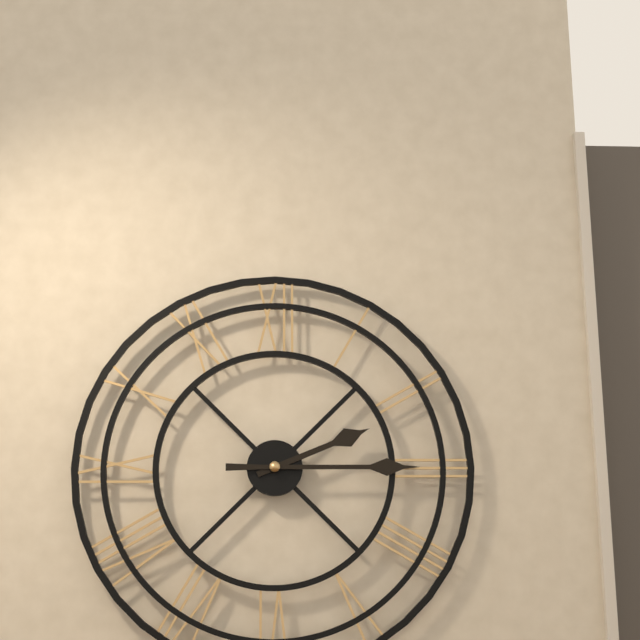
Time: h=2 m=15
